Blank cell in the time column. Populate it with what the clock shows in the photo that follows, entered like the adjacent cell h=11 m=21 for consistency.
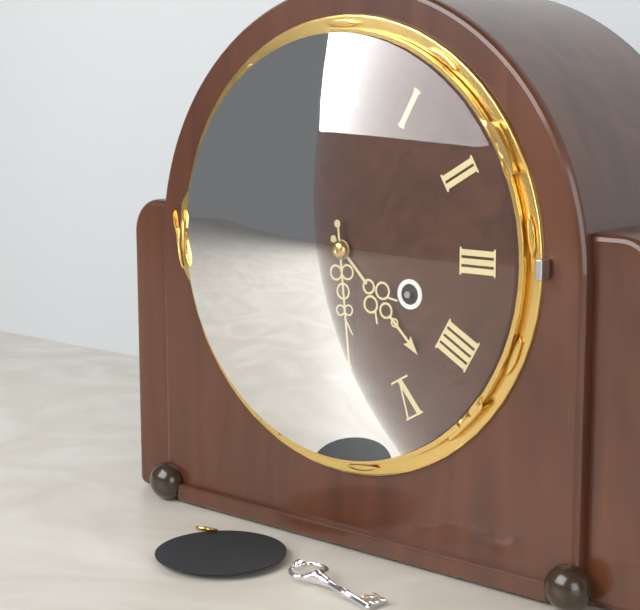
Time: h=4 m=29
